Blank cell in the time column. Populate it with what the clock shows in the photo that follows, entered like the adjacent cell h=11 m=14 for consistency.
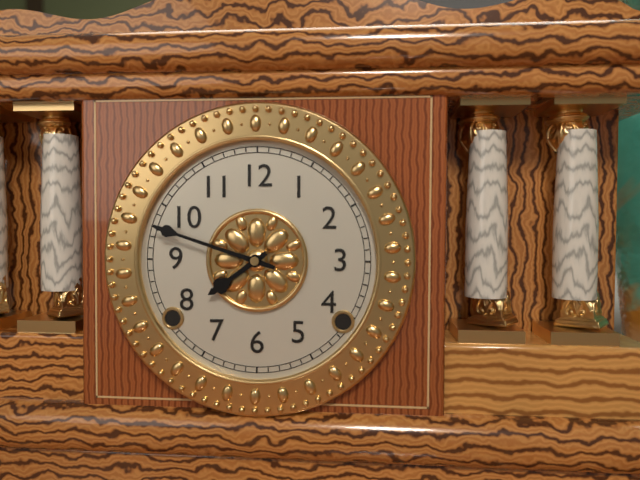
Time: h=7 m=48
